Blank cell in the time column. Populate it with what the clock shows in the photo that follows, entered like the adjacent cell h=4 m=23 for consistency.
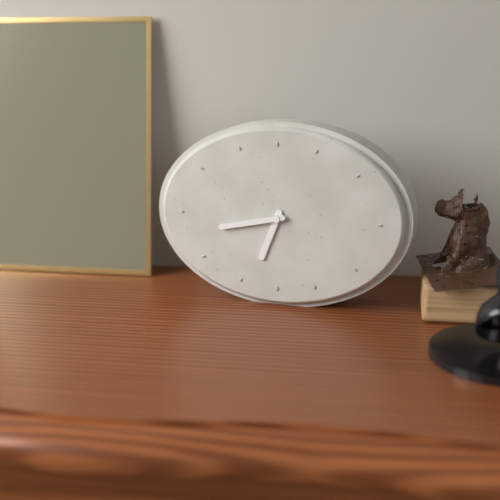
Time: h=6 m=43
